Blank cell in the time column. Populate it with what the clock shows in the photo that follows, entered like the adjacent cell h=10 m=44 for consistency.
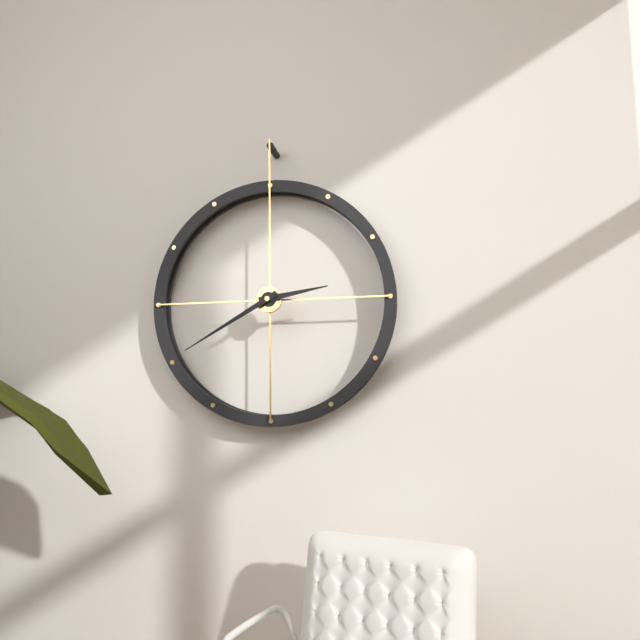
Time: h=2 m=40
